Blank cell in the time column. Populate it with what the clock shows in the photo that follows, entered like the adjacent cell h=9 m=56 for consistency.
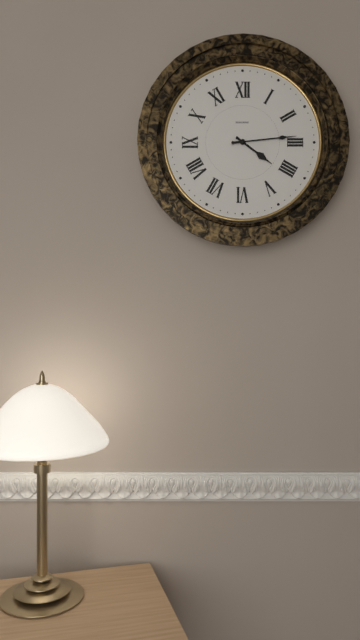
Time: h=4 m=14
